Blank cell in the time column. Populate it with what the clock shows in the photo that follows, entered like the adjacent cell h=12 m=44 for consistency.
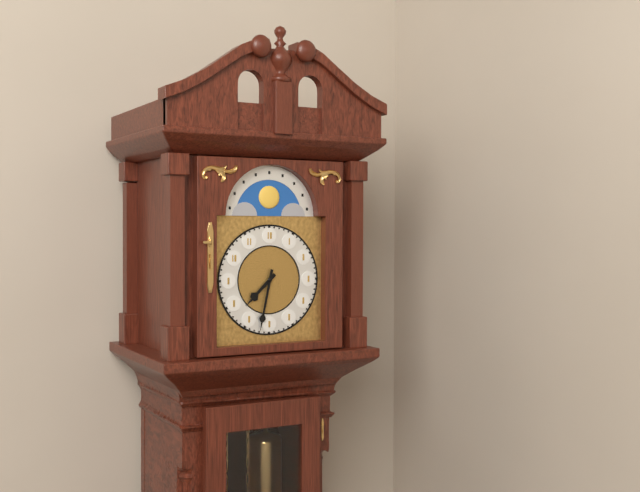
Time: h=7 m=32
